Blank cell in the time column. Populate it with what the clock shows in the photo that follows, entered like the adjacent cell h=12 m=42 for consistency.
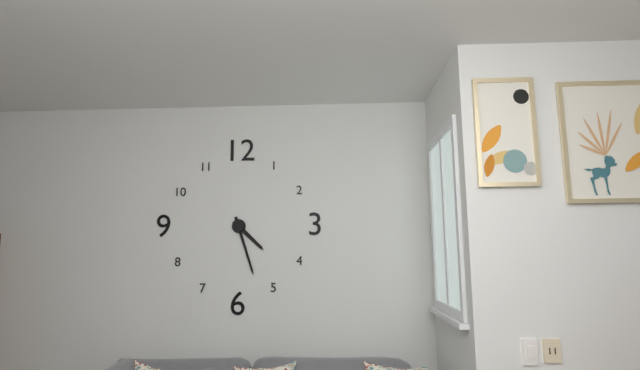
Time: h=4 m=27
